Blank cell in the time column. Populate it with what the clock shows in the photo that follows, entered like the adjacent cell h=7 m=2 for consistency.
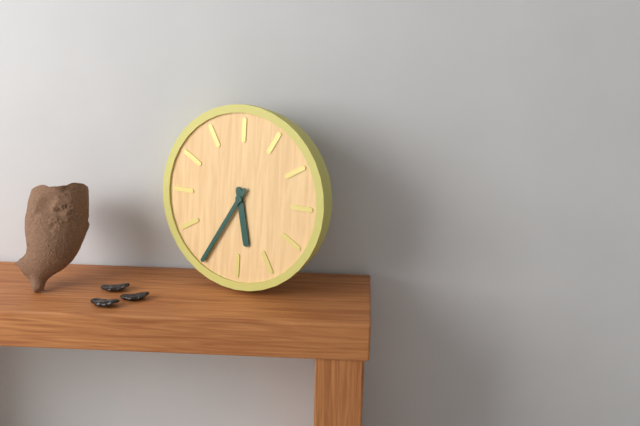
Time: h=5 m=35
